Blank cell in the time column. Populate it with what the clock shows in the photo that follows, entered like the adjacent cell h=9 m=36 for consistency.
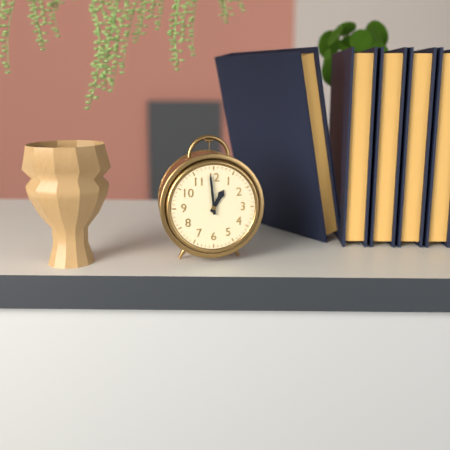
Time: h=12 m=59
